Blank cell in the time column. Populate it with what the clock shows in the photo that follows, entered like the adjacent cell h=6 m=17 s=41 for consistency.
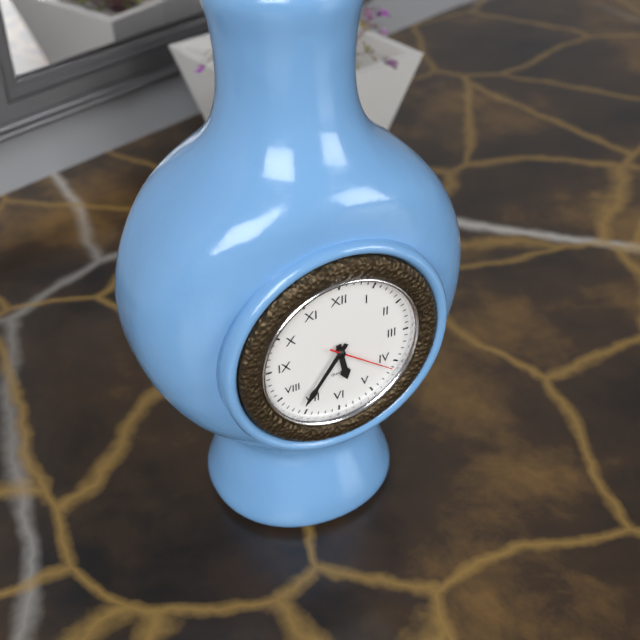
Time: h=5 m=36 s=21
